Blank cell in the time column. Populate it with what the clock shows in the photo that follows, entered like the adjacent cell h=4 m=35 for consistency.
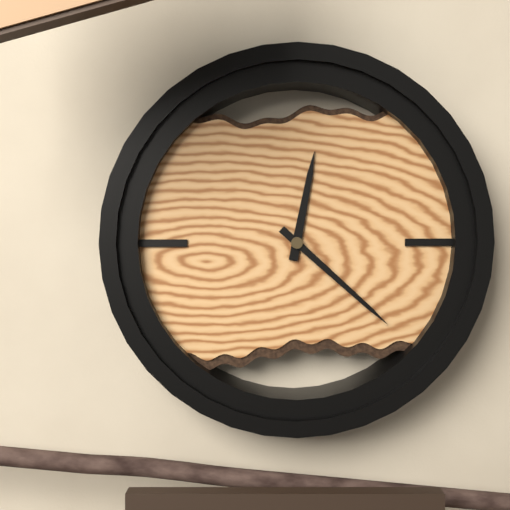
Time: h=12 m=22
